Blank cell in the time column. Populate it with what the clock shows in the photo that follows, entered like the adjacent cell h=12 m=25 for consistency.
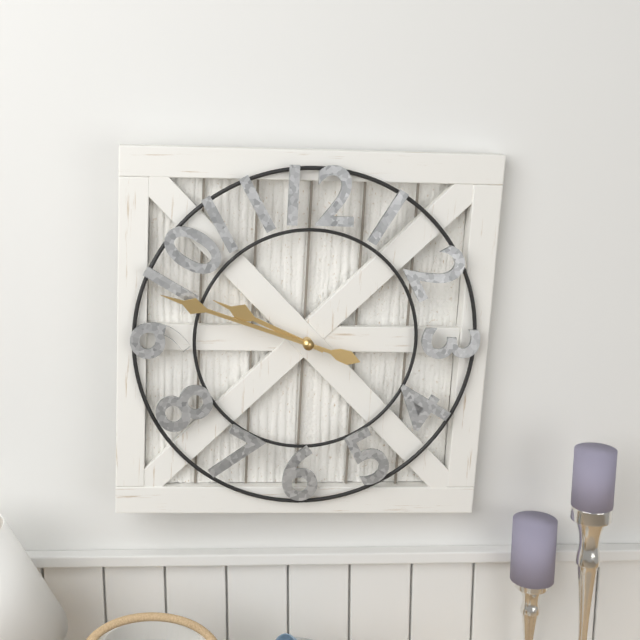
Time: h=9 m=48
